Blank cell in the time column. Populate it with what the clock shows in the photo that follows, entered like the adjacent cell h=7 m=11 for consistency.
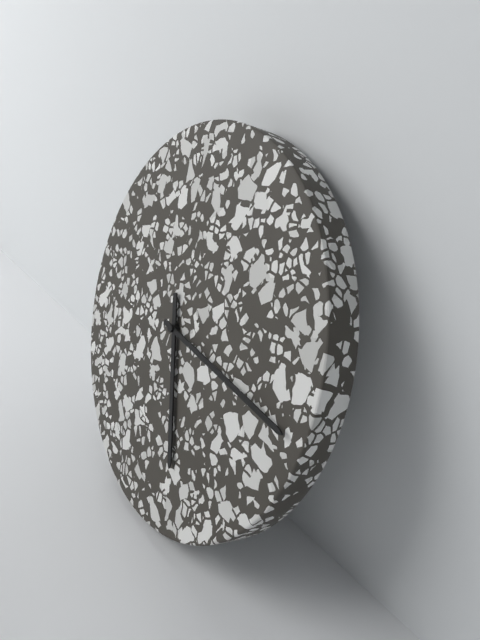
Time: h=5 m=16
